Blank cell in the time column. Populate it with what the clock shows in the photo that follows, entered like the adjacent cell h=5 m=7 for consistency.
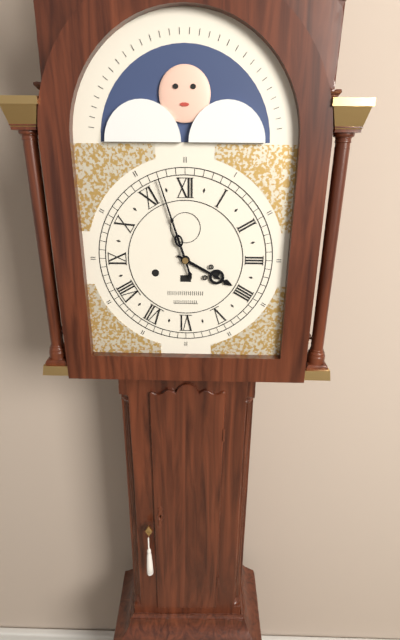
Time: h=3 m=57
